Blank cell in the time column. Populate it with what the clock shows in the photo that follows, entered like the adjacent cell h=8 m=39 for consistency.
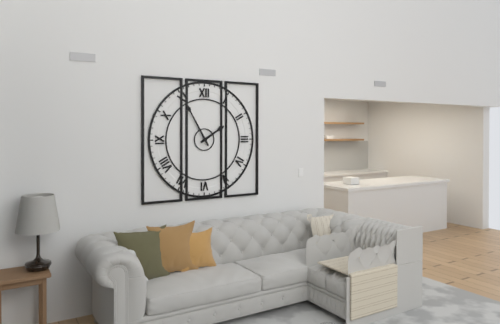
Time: h=1 m=55
